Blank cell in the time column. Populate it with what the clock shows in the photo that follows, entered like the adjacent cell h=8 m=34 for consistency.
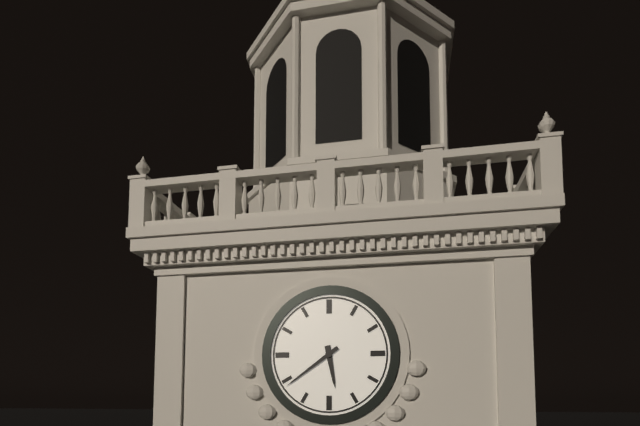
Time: h=5 m=39
